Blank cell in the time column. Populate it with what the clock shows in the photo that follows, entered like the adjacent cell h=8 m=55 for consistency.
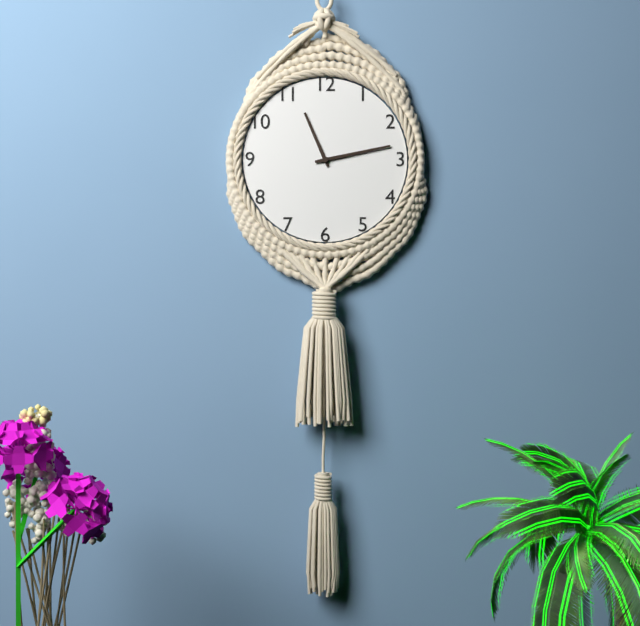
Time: h=11 m=13
